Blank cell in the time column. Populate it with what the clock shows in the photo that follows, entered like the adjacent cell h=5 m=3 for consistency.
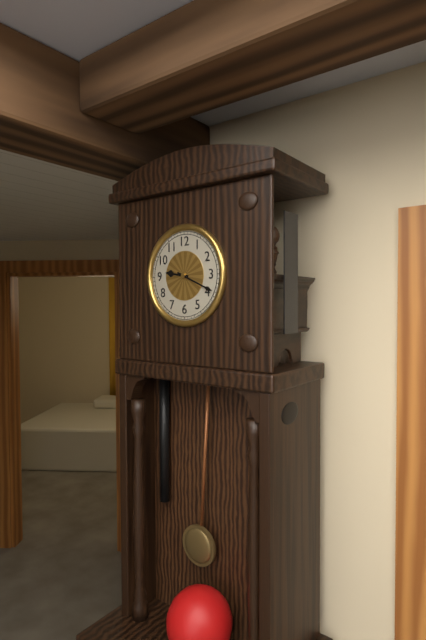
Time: h=9 m=19
